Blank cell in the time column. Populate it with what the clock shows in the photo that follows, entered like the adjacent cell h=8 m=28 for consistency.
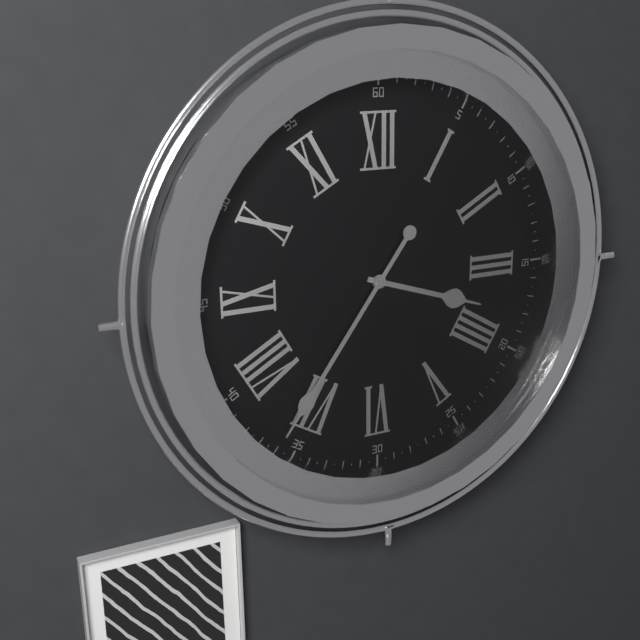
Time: h=3 m=36
